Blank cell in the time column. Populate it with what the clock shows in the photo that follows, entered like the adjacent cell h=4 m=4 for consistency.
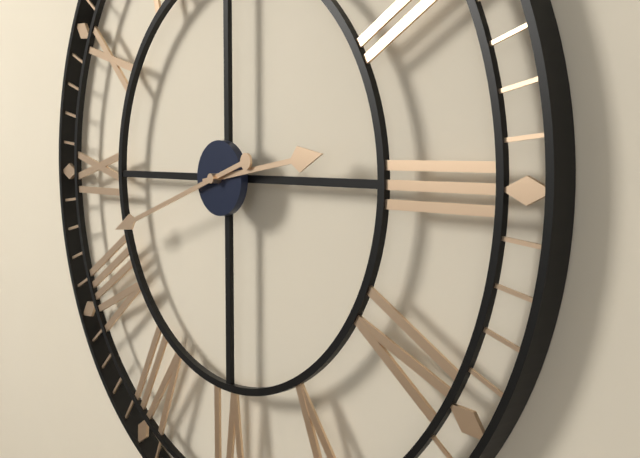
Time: h=2 m=42
